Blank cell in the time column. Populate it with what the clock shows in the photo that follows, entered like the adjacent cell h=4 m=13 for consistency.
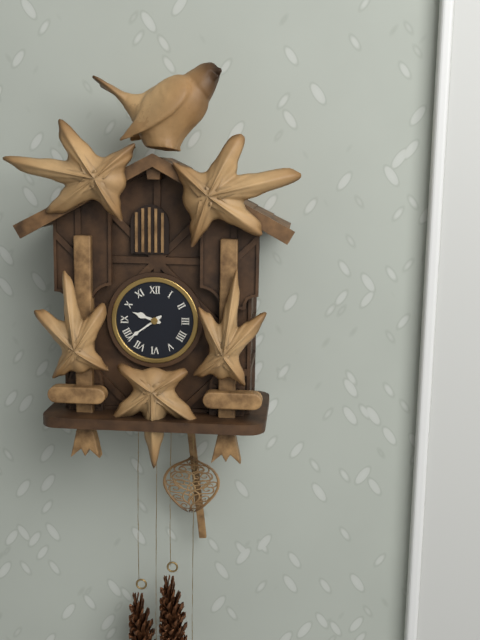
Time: h=9 m=39
